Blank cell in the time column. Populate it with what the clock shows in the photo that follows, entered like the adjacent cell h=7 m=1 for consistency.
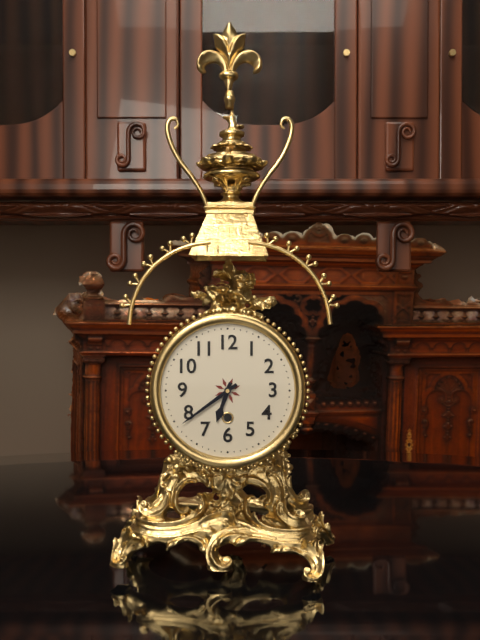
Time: h=6 m=39
